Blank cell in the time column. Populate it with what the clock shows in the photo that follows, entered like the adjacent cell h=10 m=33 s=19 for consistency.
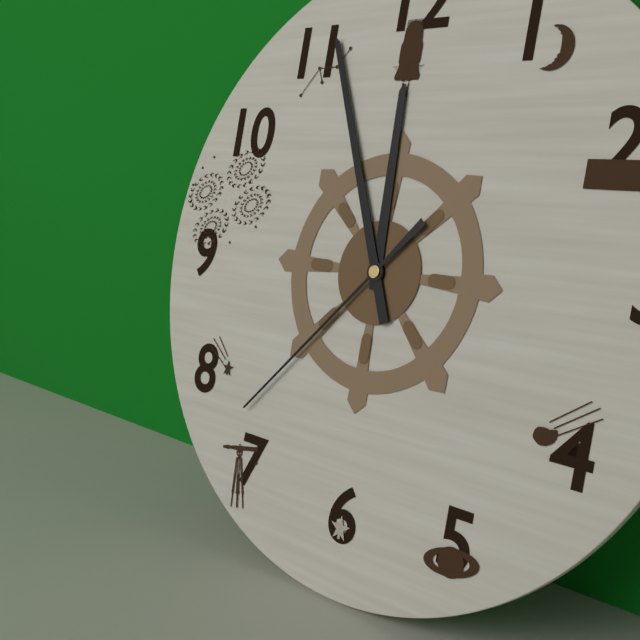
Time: h=11 m=56 s=37
